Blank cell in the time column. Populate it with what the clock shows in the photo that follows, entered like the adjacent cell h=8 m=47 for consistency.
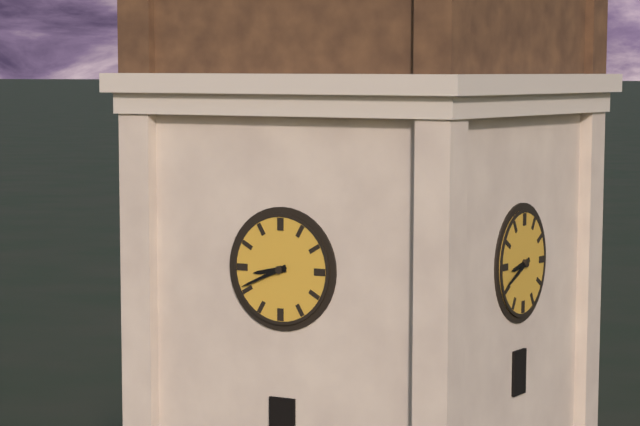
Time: h=8 m=41
